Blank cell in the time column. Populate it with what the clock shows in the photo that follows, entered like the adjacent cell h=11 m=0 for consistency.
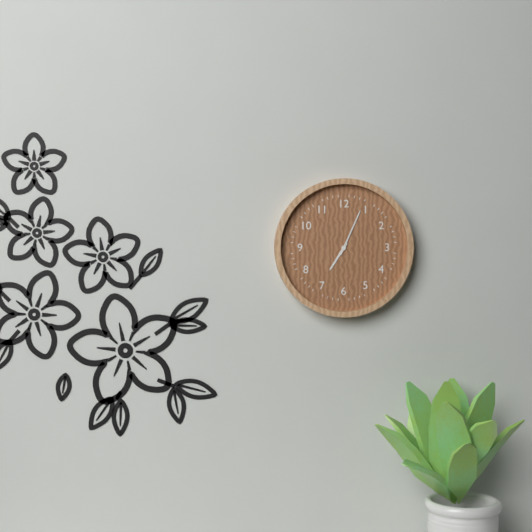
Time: h=7 m=4
